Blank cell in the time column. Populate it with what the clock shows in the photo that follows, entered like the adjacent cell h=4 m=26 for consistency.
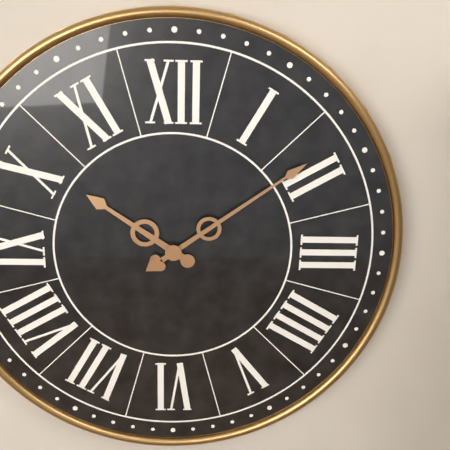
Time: h=10 m=9
